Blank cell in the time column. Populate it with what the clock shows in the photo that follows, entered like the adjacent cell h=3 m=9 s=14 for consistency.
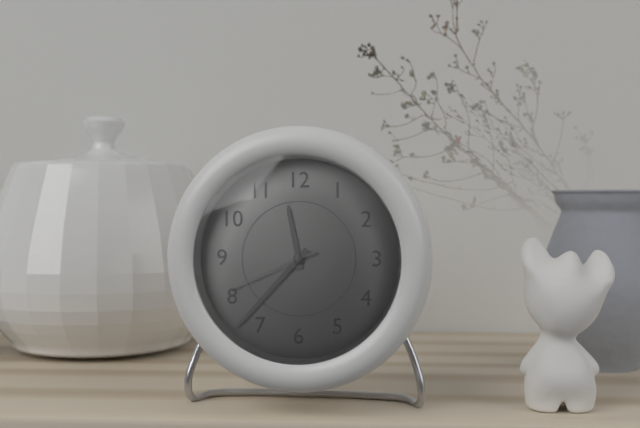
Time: h=11 m=37 s=41
